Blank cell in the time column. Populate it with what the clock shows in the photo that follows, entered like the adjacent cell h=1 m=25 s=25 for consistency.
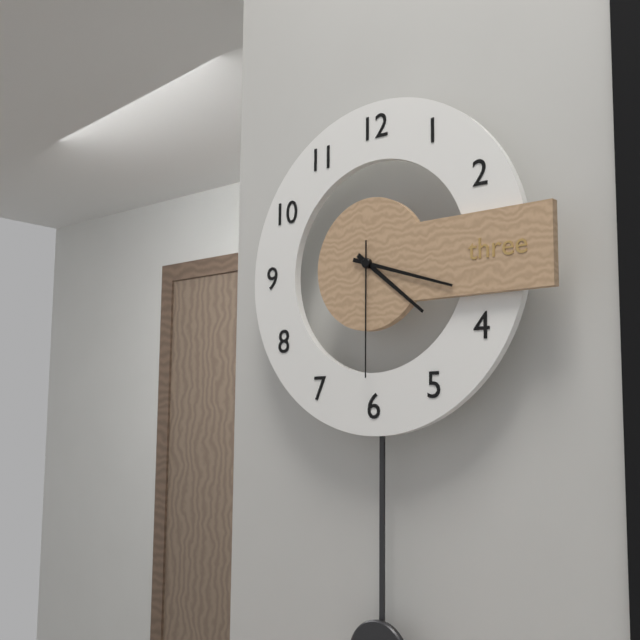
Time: h=4 m=18 s=30
